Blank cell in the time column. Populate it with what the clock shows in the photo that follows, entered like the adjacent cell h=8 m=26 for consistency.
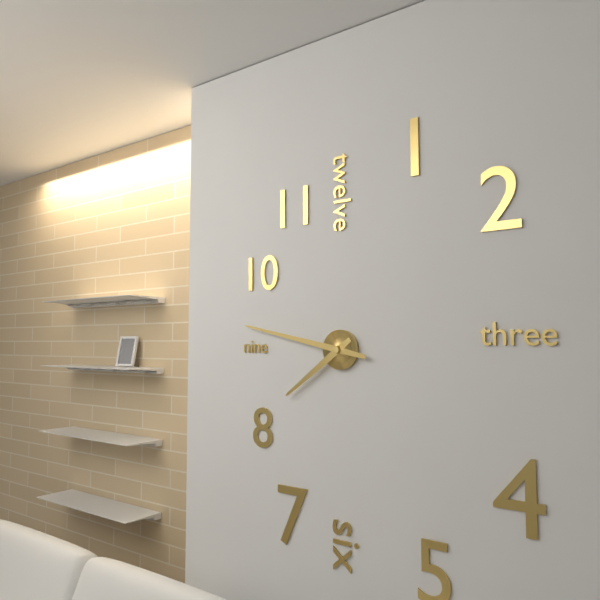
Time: h=7 m=47
